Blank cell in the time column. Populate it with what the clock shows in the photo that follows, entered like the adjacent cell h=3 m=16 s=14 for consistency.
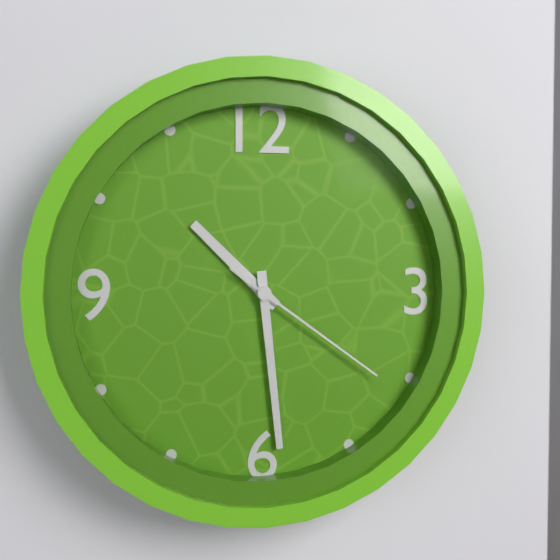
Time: h=10 m=29 s=21
